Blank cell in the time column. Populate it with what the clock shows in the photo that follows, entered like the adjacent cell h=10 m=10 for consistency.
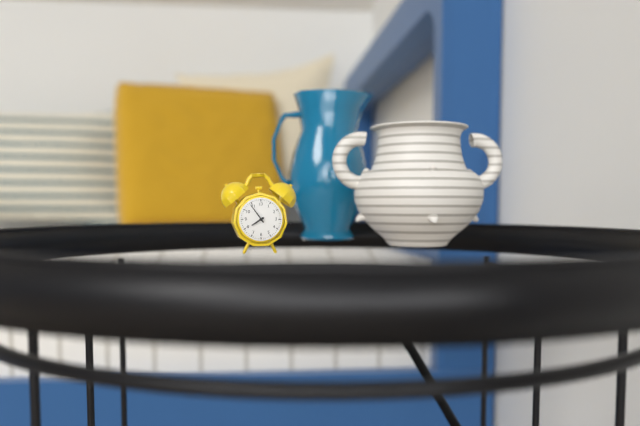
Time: h=7 m=54
